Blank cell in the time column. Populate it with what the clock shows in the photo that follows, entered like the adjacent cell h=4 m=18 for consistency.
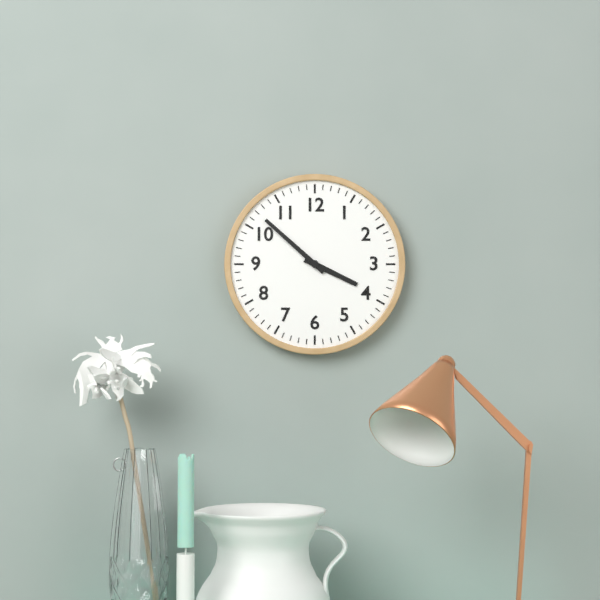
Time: h=3 m=52
